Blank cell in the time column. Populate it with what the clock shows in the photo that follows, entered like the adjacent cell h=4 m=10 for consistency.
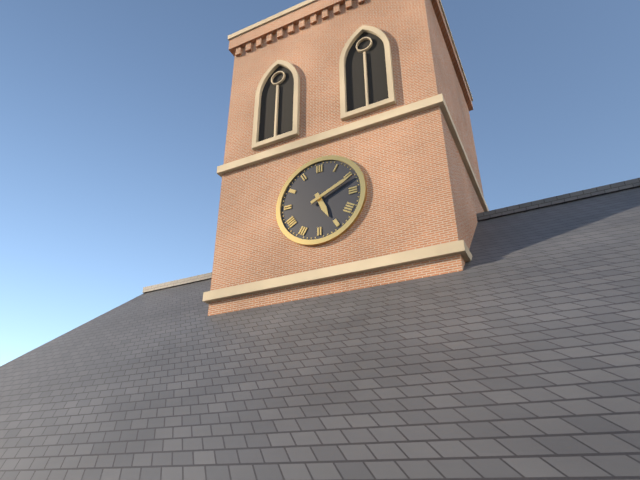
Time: h=5 m=11
